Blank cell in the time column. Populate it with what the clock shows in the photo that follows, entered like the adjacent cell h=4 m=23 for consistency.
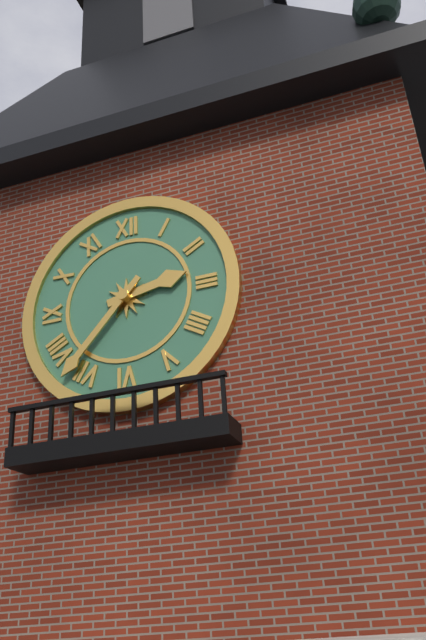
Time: h=2 m=37
